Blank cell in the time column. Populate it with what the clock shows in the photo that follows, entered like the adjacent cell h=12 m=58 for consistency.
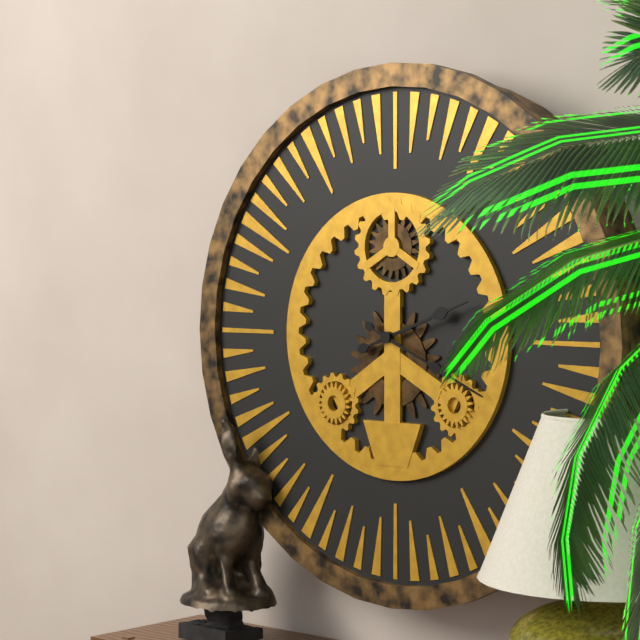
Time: h=2 m=19
